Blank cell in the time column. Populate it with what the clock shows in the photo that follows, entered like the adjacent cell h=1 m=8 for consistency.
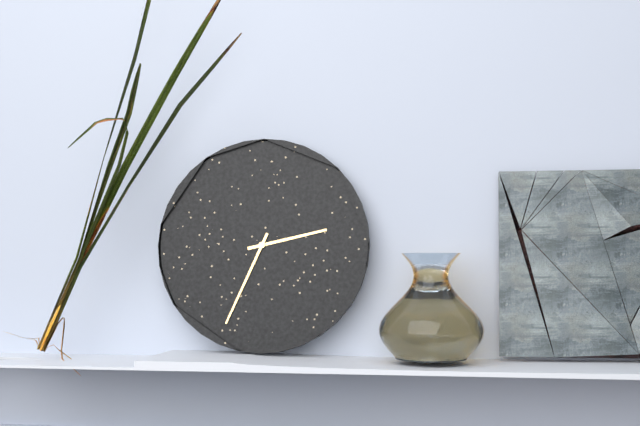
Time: h=2 m=34
